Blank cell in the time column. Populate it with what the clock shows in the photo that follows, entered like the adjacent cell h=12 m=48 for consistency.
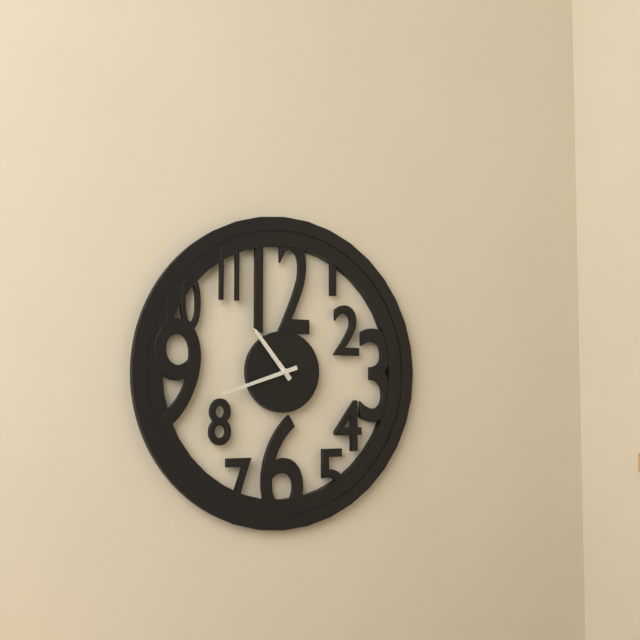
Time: h=10 m=42
